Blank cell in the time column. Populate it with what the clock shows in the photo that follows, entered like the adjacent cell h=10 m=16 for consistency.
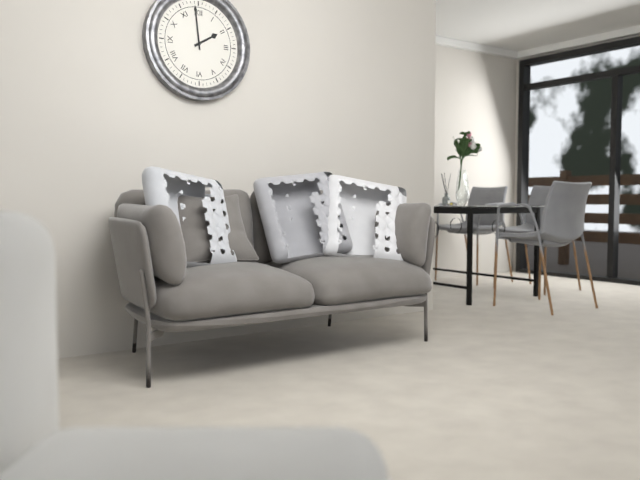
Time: h=1 m=59
